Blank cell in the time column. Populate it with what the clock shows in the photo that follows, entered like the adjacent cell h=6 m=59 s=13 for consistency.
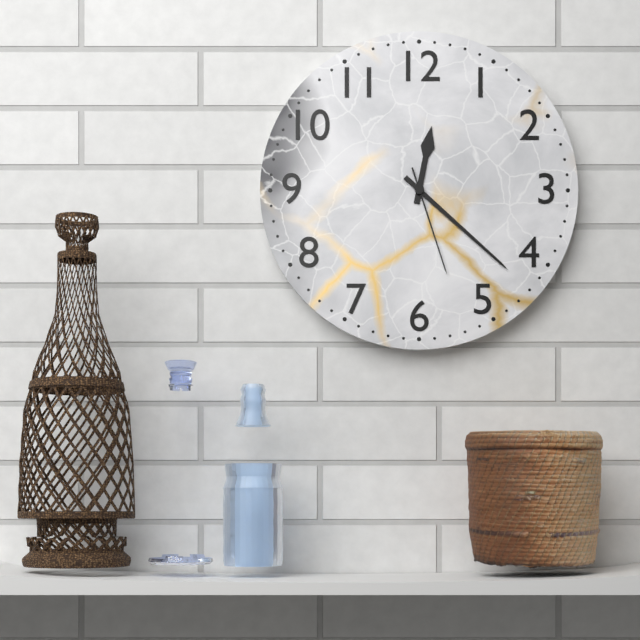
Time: h=12 m=22 s=27
